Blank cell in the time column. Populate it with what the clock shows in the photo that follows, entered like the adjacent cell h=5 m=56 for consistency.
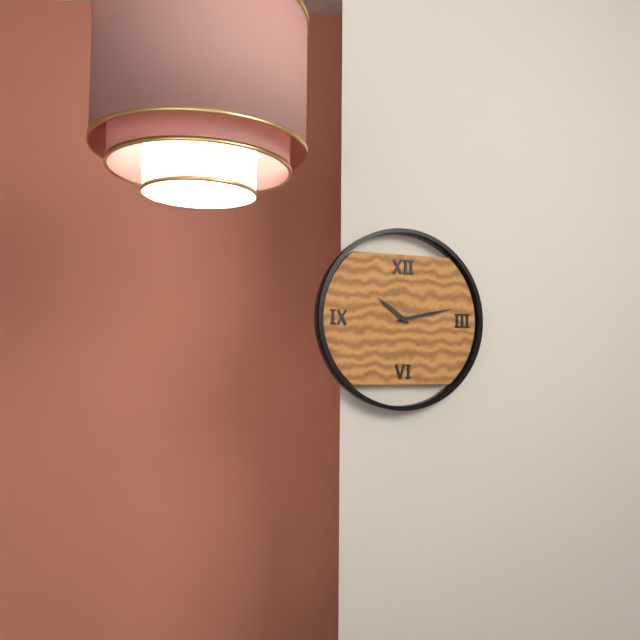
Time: h=10 m=13
